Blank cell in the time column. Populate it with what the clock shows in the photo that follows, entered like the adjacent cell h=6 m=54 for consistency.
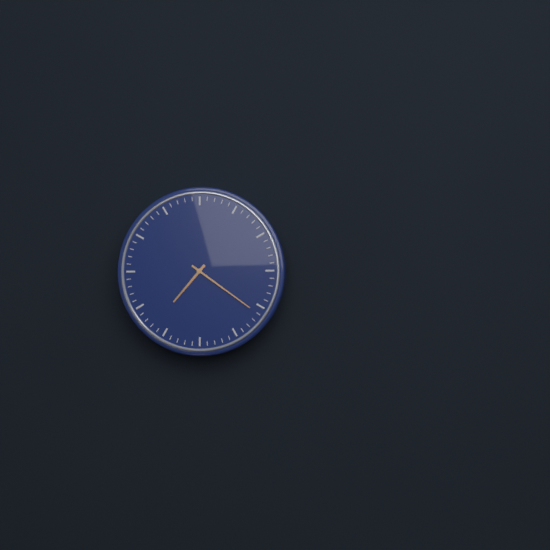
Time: h=7 m=21
